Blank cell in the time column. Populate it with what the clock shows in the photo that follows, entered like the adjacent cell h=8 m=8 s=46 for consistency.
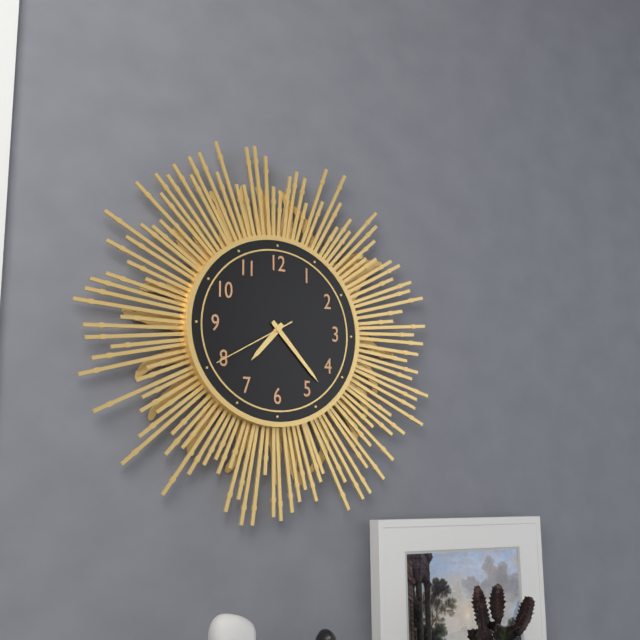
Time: h=7 m=23 s=40
